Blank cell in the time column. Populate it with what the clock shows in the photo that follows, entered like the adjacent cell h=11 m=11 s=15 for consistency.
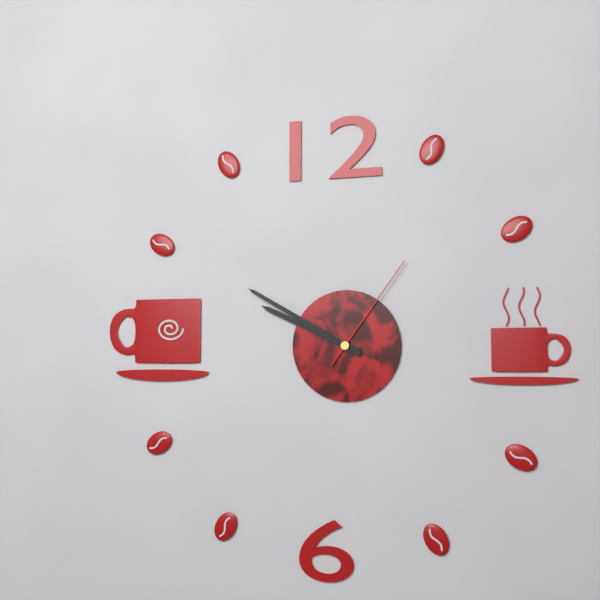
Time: h=9 m=50 s=6
